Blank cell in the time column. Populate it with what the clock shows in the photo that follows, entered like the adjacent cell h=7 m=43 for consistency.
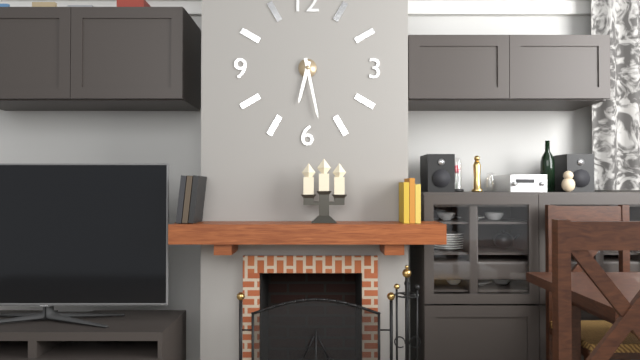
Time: h=6 m=28
